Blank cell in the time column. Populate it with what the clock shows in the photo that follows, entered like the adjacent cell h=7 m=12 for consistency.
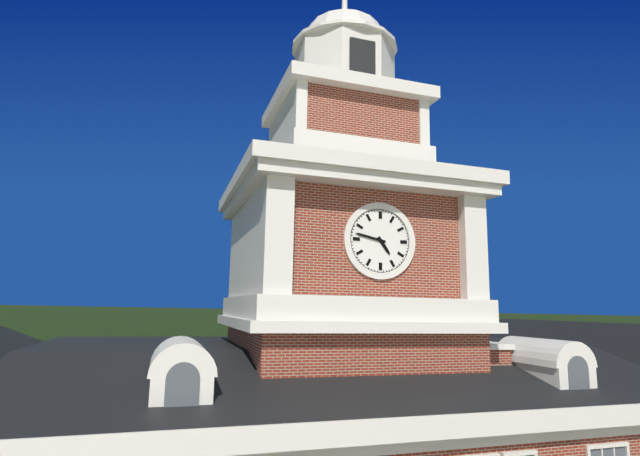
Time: h=4 m=47
